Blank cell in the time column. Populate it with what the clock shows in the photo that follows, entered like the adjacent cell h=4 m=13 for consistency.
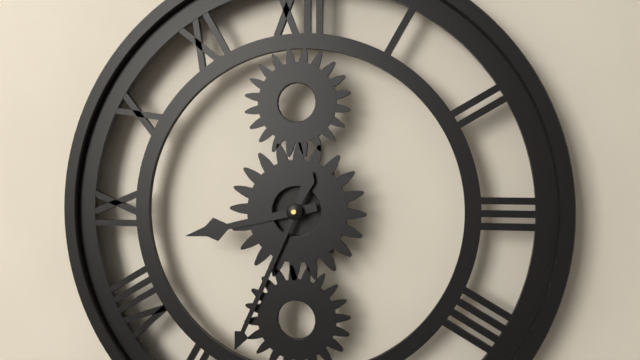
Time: h=8 m=34
